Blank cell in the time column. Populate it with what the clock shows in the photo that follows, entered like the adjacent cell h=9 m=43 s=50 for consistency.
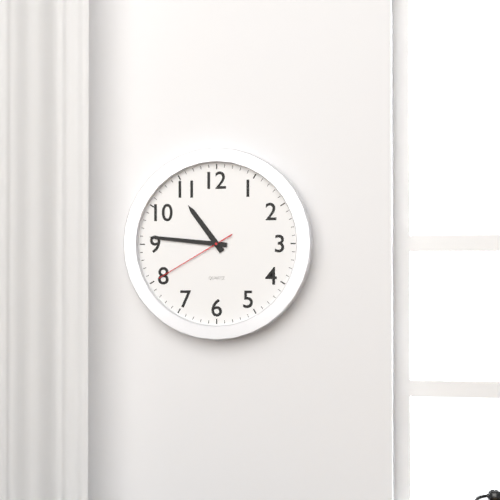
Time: h=10 m=46 s=40
